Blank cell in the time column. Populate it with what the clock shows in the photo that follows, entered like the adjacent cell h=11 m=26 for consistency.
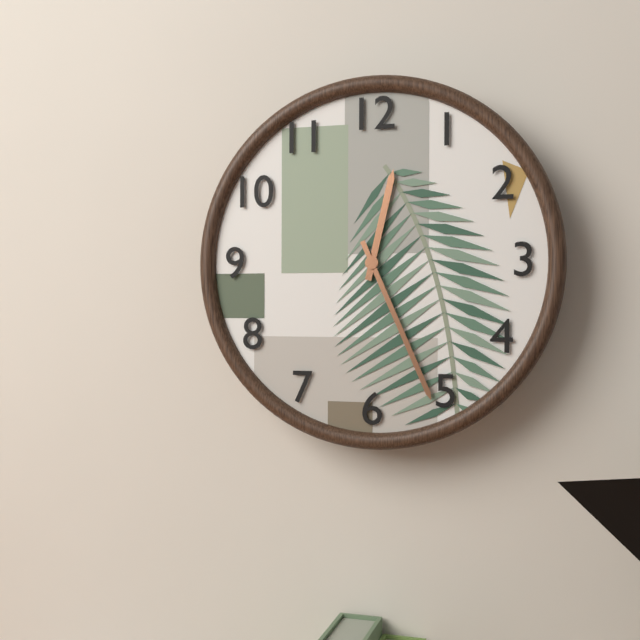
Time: h=12 m=26
